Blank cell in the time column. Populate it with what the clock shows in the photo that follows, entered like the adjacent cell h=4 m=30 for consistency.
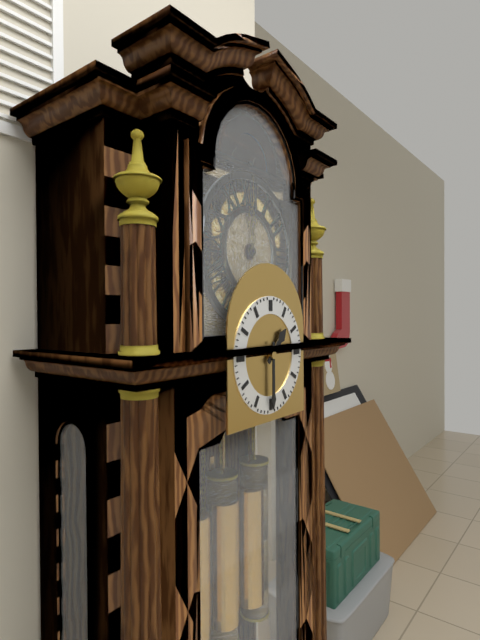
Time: h=1 m=30
